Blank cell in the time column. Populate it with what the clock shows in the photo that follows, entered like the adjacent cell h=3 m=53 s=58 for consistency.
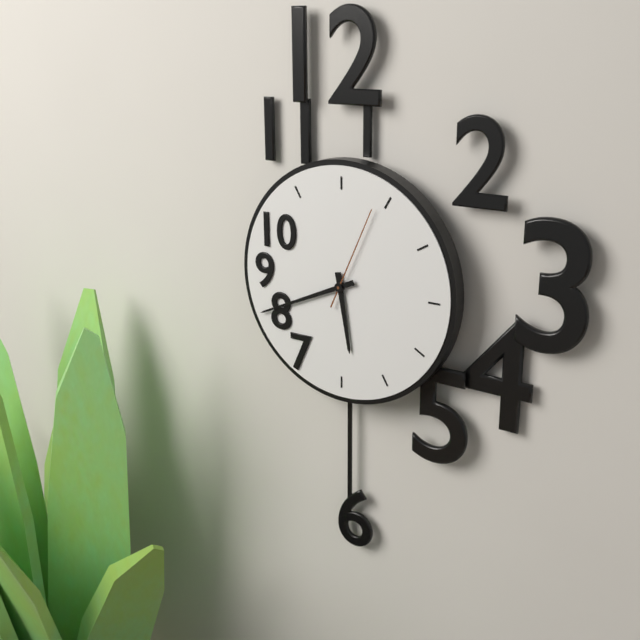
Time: h=5 m=41 s=4
